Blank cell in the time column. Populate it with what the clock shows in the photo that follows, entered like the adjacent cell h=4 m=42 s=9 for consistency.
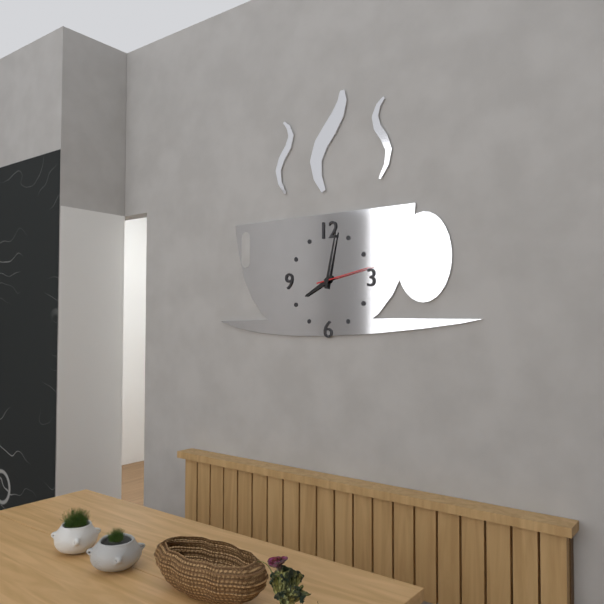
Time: h=8 m=2 s=13
